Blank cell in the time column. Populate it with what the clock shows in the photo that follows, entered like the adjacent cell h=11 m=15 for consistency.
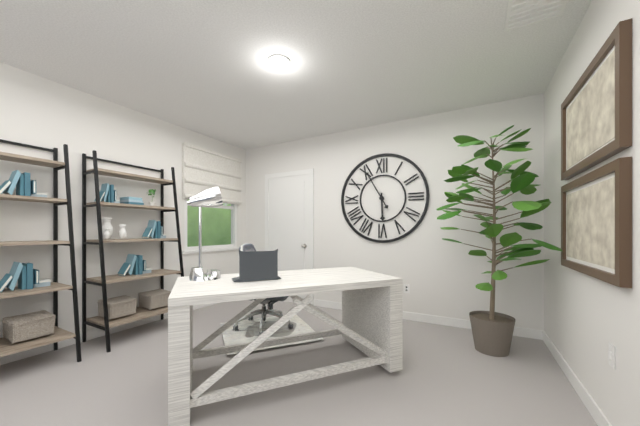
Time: h=5 m=55
